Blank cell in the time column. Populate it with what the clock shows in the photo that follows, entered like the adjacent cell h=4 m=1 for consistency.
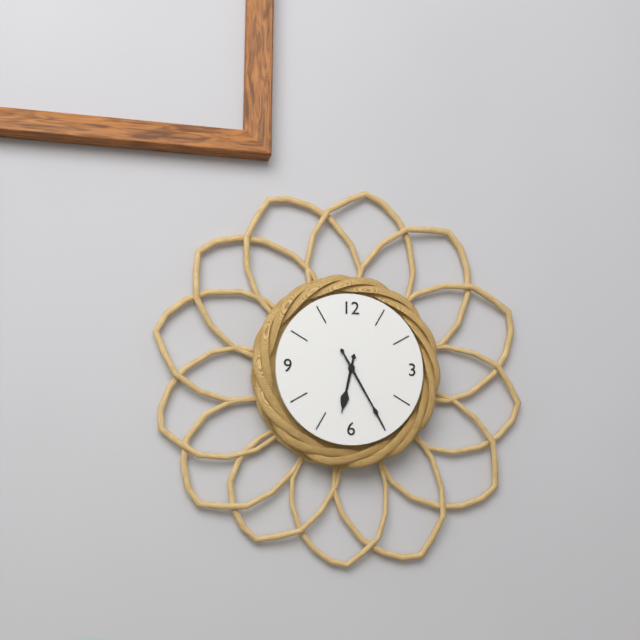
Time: h=6 m=25
